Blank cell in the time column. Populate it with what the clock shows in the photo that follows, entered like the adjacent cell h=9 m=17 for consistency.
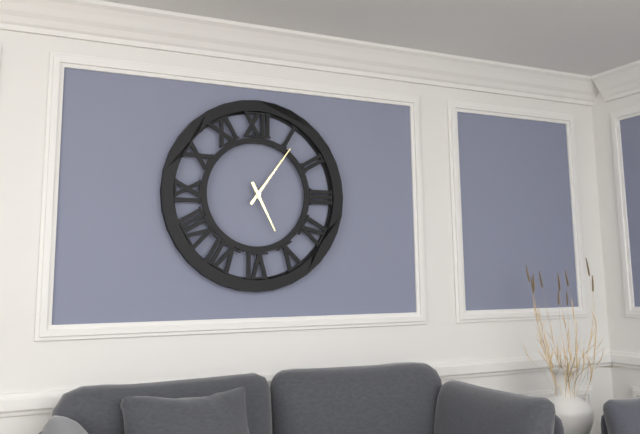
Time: h=5 m=6
